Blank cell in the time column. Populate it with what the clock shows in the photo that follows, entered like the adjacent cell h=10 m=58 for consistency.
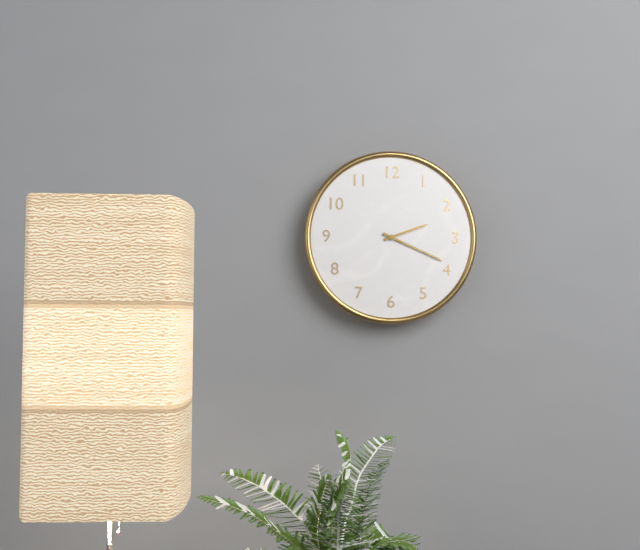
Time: h=2 m=19
